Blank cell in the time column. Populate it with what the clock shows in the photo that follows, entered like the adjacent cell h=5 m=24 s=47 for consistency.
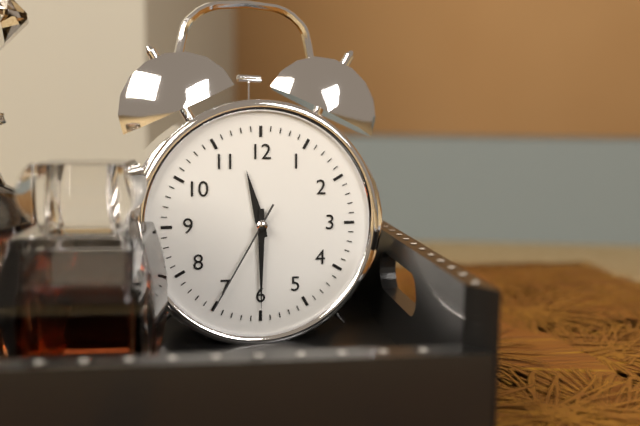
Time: h=11 m=30 s=35
